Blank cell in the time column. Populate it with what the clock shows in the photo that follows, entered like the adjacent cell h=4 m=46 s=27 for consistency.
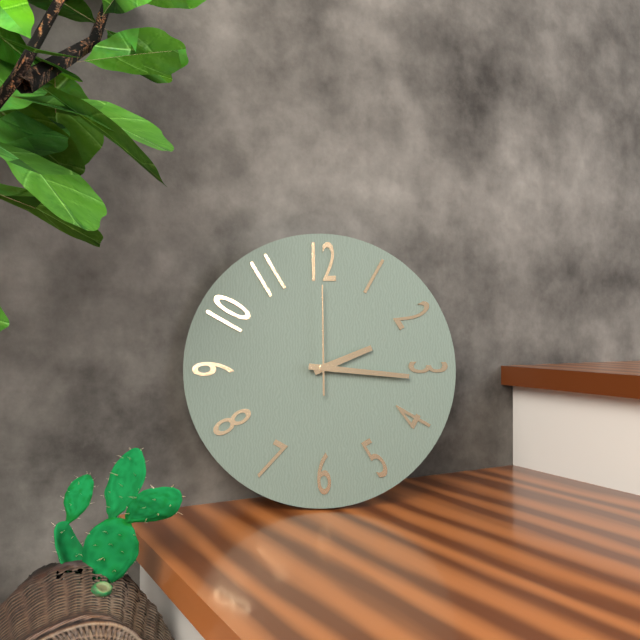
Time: h=2 m=16 s=0
